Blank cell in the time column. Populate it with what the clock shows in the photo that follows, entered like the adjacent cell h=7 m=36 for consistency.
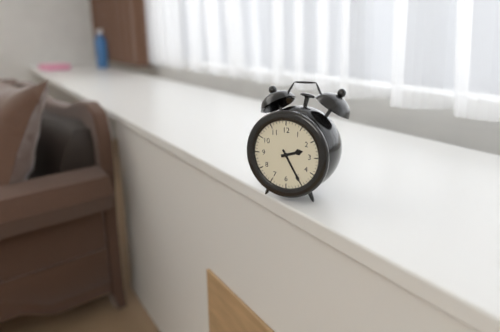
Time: h=2 m=25
